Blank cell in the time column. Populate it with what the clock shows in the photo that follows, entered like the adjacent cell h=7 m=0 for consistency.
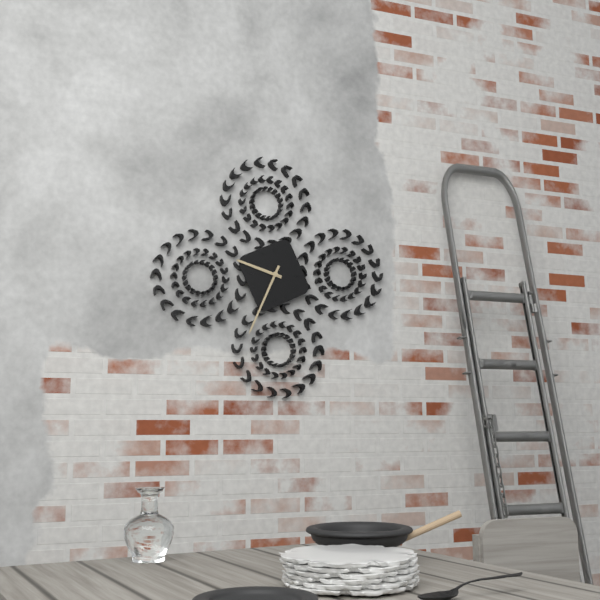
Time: h=9 m=34
